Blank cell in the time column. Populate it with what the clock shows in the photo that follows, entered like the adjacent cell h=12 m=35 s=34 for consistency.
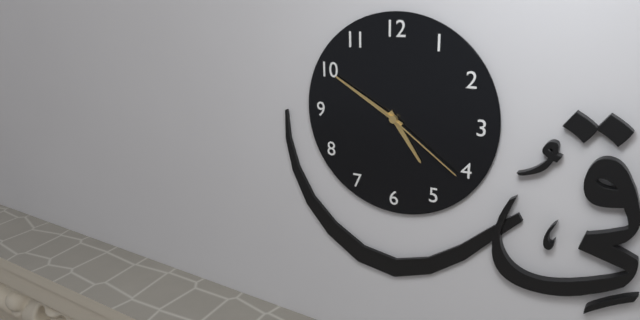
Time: h=4 m=50 s=21
